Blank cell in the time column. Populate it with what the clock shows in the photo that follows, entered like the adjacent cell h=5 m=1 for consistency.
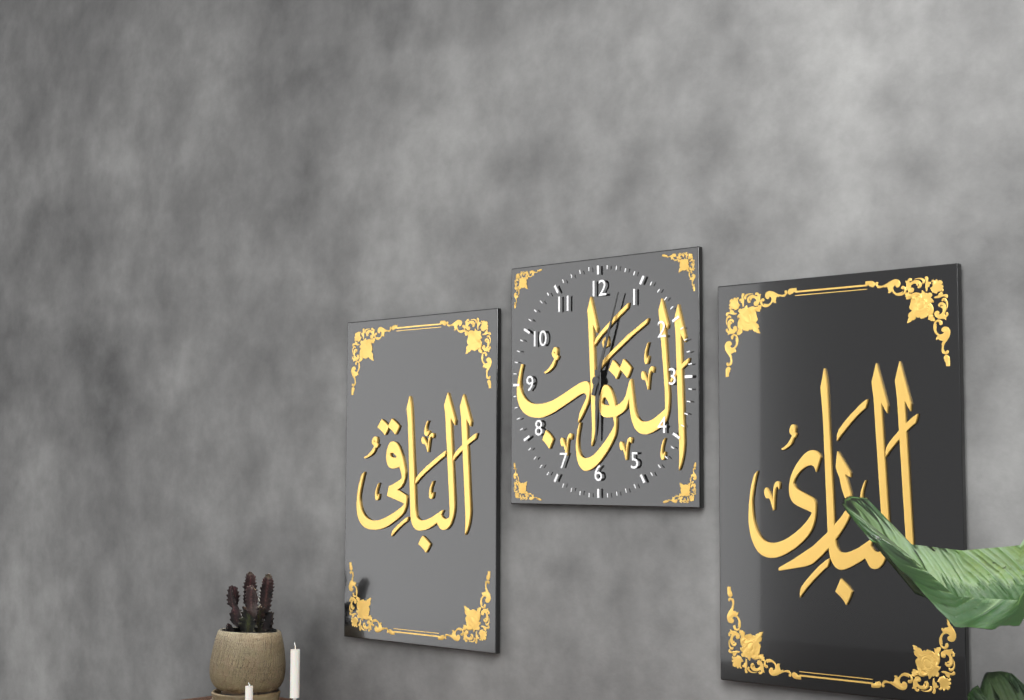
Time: h=6 m=3
